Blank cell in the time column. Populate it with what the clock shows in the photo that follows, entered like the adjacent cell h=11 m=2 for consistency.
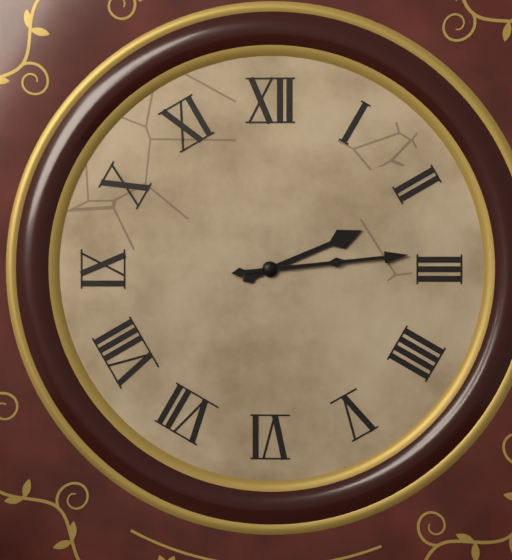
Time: h=2 m=14
